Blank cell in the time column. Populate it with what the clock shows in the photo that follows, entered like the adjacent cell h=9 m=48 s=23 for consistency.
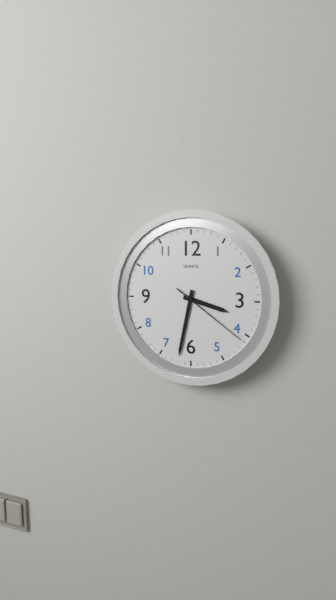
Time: h=3 m=32 s=21
